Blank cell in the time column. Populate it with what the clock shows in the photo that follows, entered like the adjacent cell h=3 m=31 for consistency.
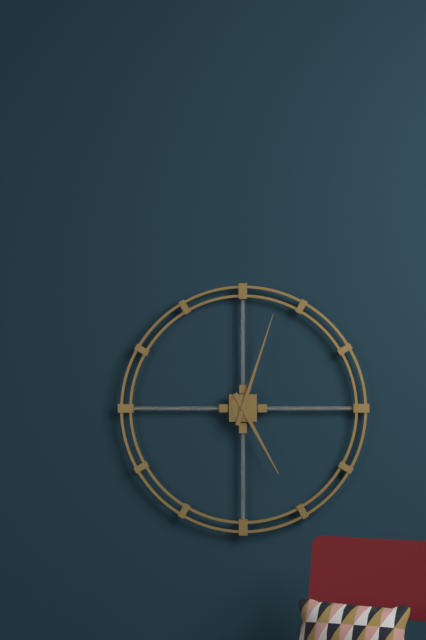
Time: h=5 m=3
